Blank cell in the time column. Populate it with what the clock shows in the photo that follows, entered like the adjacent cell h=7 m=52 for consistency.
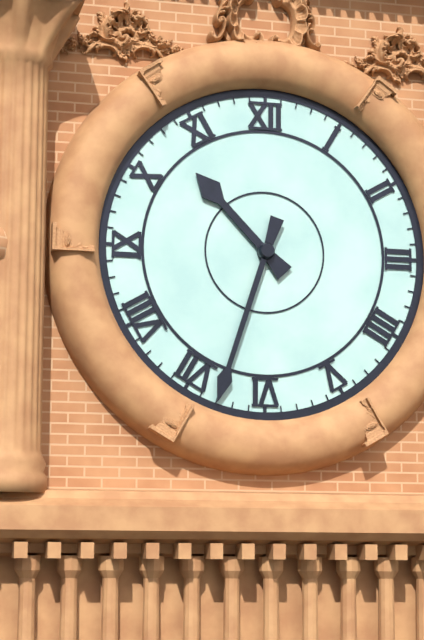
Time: h=10 m=33
